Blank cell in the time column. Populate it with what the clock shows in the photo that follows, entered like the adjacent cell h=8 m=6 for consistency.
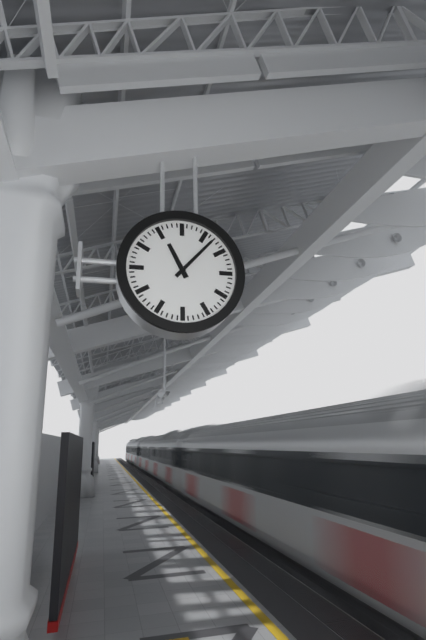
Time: h=11 m=7
